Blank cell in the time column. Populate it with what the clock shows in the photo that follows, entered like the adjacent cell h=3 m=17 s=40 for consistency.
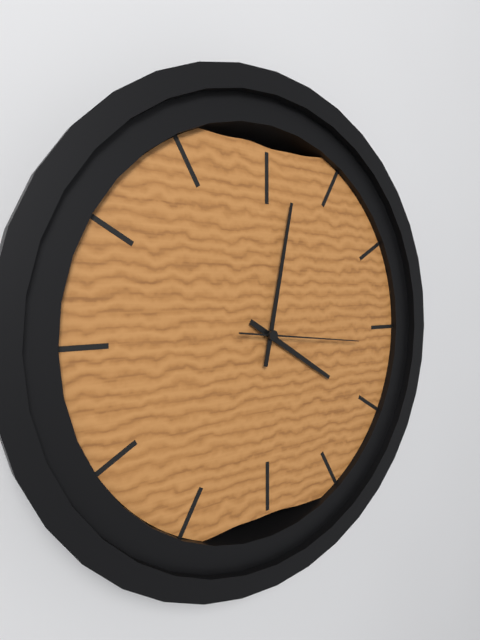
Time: h=4 m=2 s=16
